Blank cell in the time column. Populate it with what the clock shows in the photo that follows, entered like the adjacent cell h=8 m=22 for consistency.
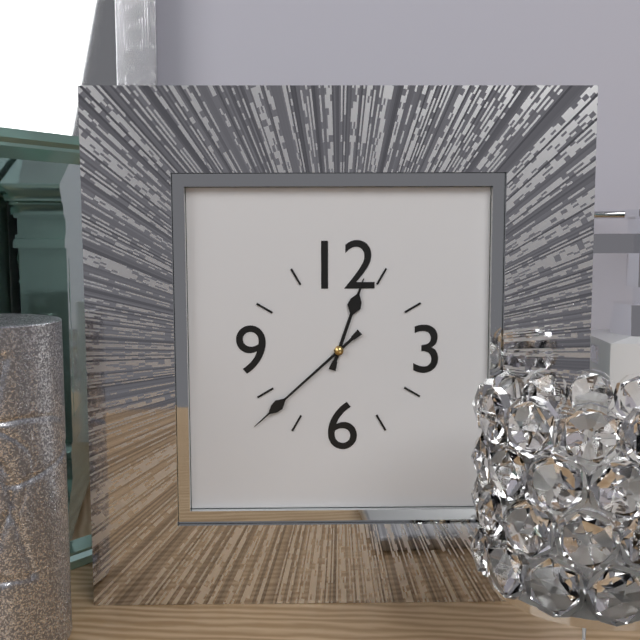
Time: h=12 m=38
